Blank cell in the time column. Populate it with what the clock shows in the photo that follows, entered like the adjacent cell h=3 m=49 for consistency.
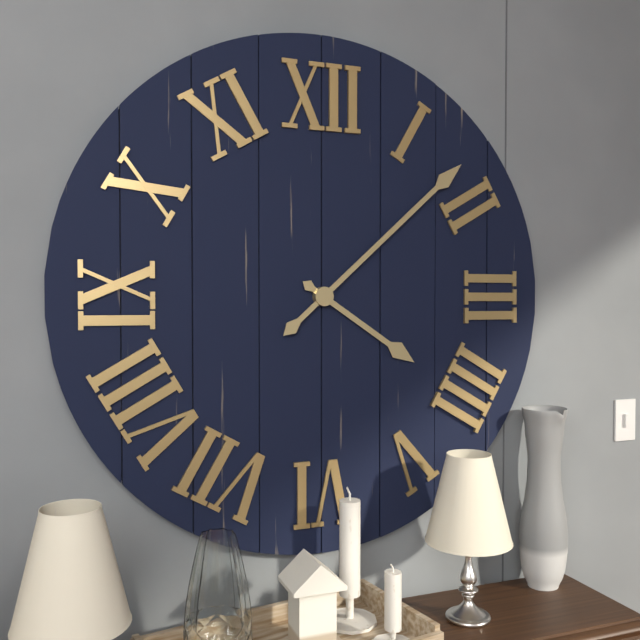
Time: h=4 m=8
